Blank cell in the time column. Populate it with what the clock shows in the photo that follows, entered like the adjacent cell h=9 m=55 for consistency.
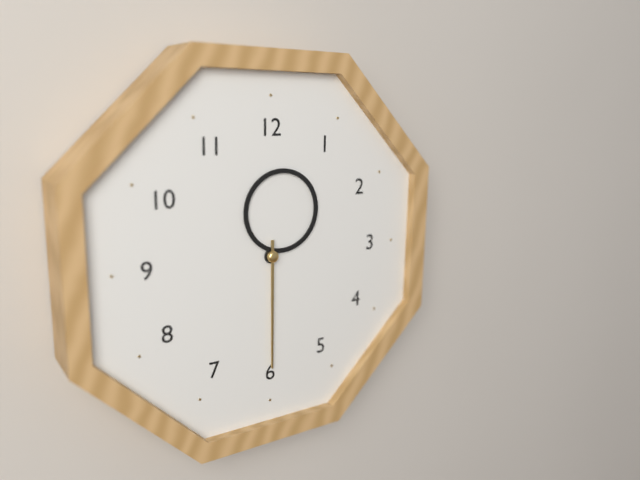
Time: h=12 m=30
